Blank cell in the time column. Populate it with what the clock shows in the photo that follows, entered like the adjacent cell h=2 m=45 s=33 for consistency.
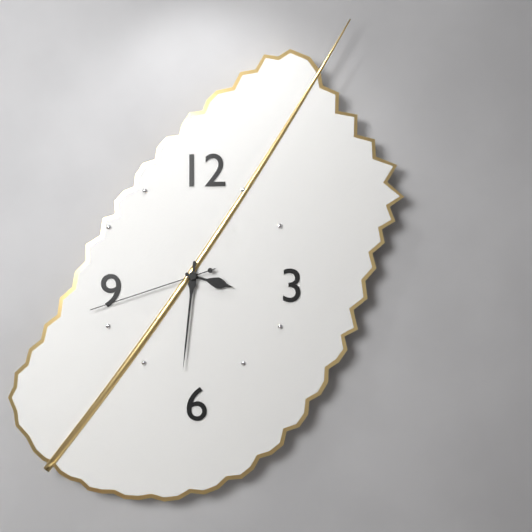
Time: h=3 m=31 s=42
